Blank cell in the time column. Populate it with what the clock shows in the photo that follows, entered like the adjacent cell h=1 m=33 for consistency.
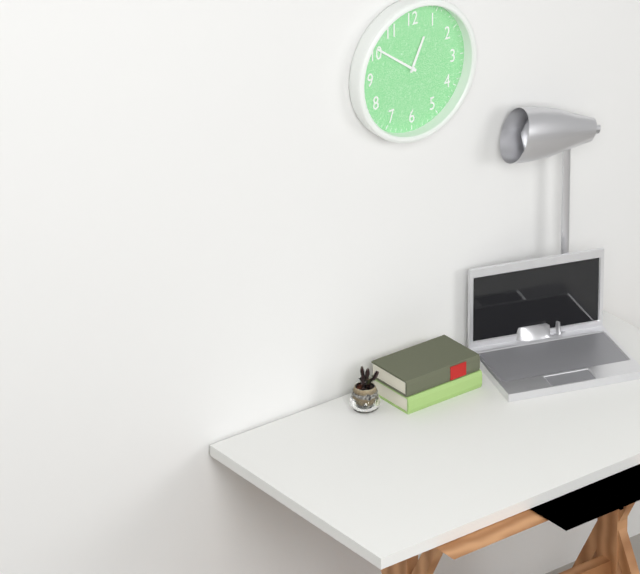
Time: h=12 m=51
